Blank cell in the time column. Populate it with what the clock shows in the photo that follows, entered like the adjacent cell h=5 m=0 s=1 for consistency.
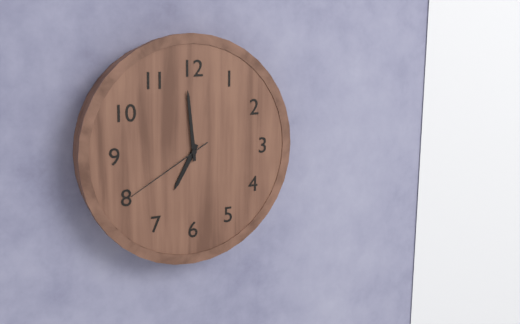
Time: h=6 m=59 s=40
